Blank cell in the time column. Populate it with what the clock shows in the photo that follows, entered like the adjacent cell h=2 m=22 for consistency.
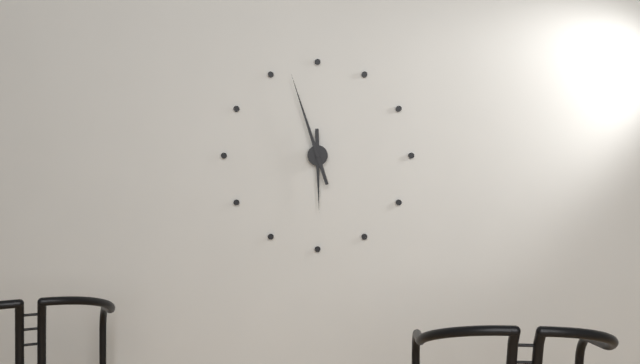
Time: h=5 m=57
